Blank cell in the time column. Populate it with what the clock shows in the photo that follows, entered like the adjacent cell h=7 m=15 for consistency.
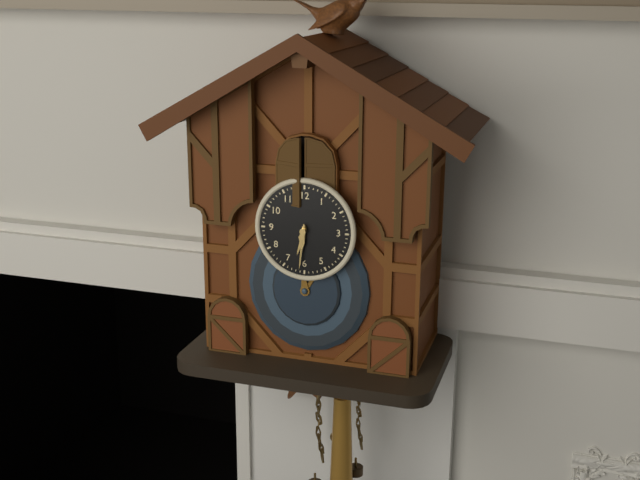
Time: h=6 m=31
